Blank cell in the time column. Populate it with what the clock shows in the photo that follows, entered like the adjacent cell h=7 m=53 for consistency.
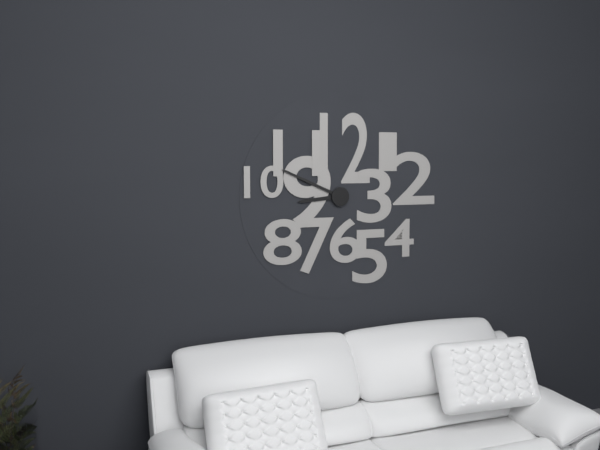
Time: h=8 m=49
